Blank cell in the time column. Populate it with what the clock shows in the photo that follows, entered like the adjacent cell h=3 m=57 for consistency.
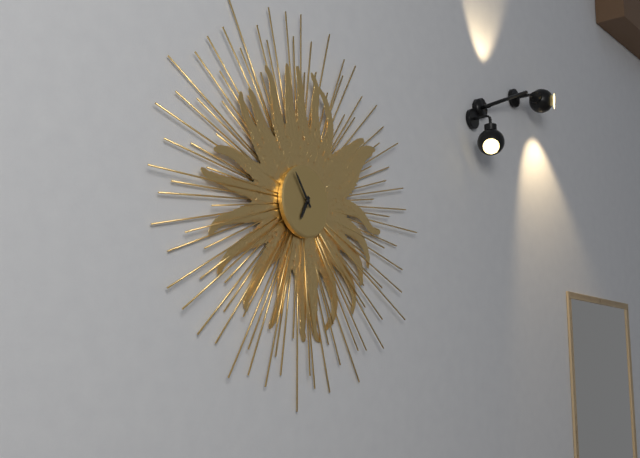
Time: h=6 m=54
